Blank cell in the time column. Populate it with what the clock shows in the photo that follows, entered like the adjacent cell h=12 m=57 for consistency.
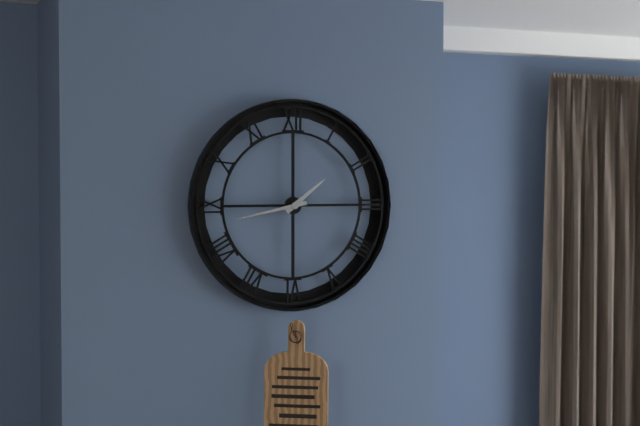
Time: h=1 m=43
